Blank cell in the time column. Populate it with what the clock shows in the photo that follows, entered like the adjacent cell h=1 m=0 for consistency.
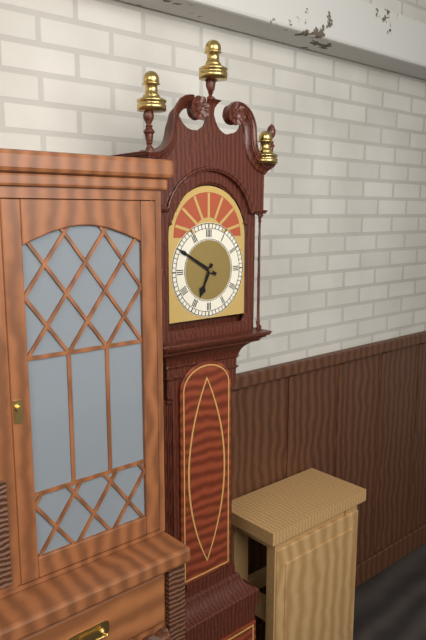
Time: h=6 m=50
